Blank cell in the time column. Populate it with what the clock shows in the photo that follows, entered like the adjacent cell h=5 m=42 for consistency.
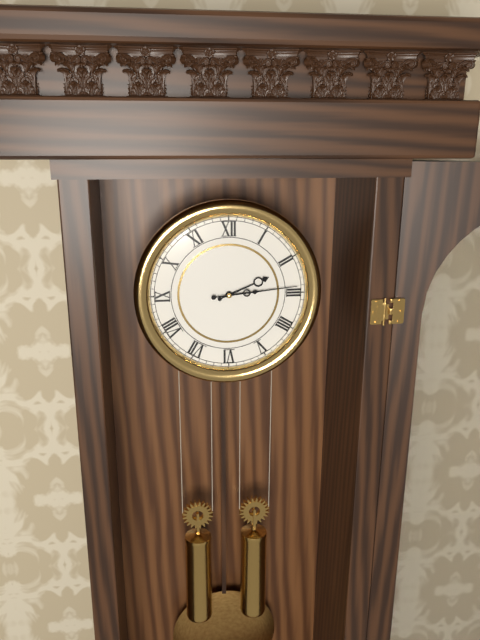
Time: h=2 m=14
